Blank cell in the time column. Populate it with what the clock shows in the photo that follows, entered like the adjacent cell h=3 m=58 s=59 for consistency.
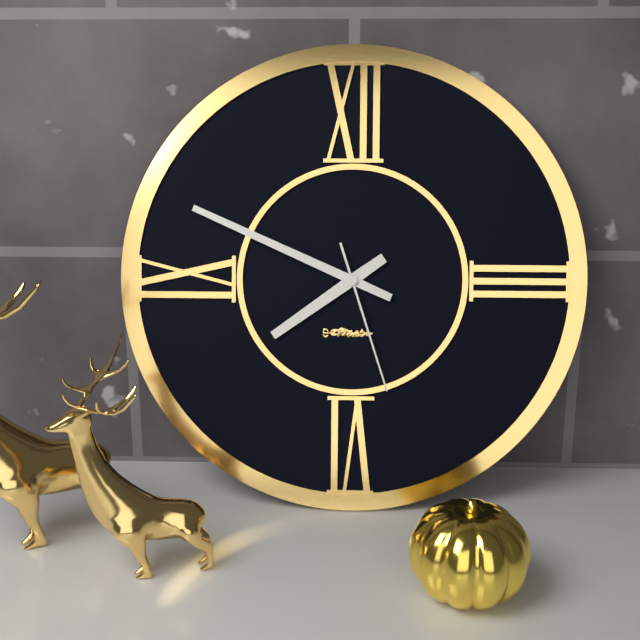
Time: h=7 m=49 s=27
